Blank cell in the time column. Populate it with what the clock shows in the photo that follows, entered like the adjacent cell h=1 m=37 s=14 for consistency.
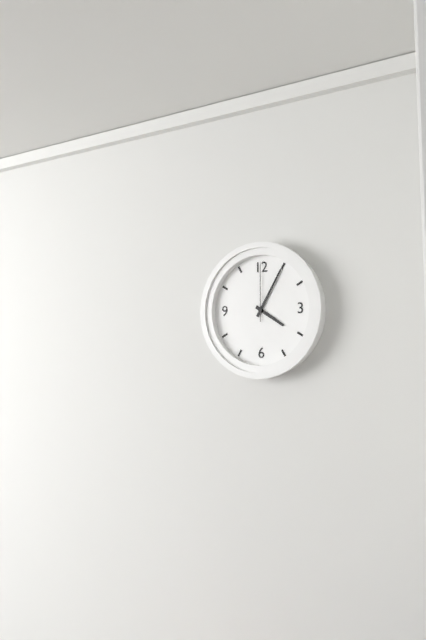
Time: h=4 m=5 s=0
